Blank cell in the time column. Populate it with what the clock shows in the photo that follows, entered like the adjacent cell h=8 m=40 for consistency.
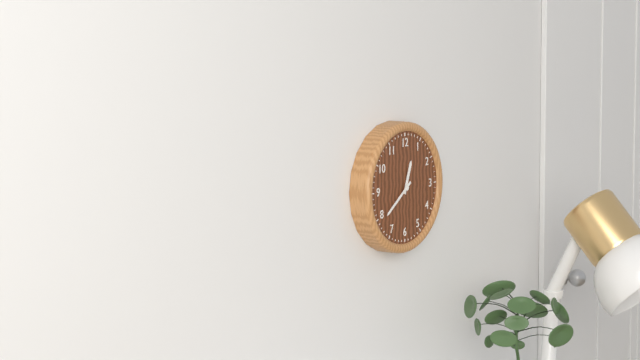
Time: h=12 m=39
